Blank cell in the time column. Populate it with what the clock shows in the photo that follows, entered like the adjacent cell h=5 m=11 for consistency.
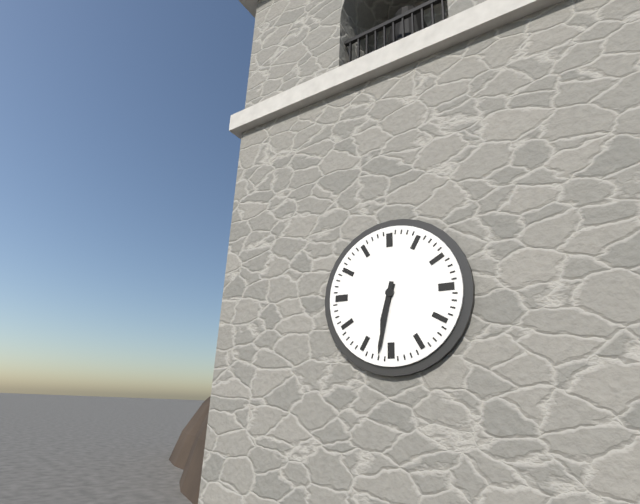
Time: h=6 m=32
